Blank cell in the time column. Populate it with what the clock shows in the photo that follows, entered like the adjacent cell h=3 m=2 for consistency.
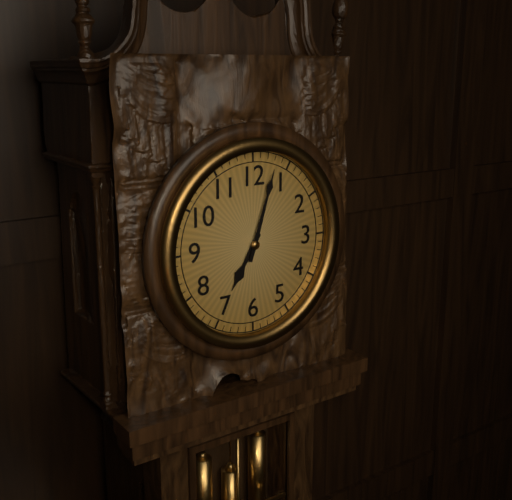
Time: h=7 m=3
